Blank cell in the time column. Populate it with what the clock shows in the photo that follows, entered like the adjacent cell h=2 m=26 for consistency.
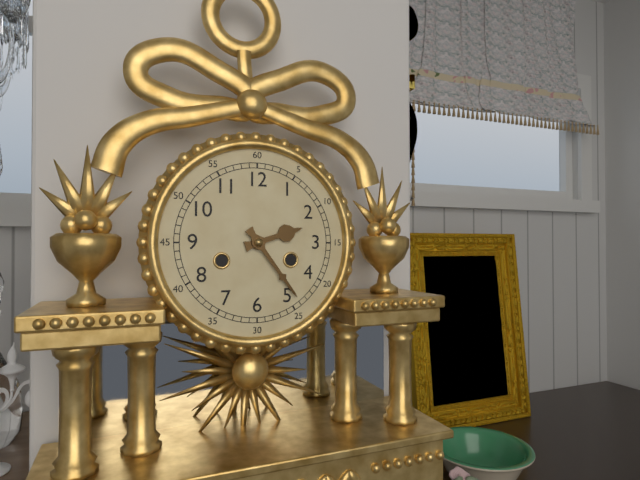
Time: h=2 m=24
